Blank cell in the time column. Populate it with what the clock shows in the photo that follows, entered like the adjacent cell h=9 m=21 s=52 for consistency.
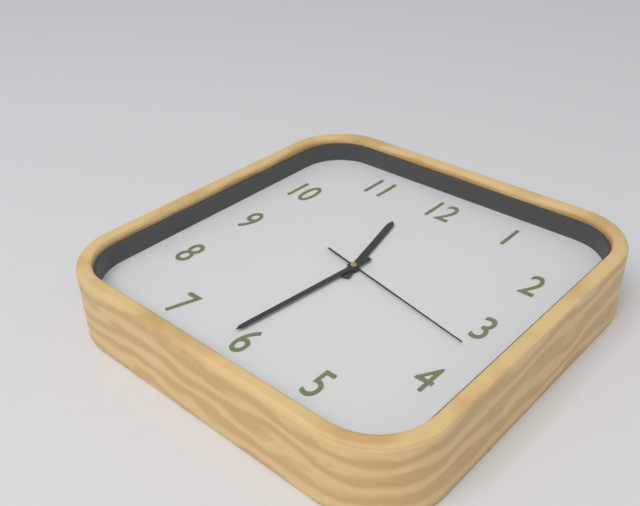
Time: h=11 m=31 s=17
